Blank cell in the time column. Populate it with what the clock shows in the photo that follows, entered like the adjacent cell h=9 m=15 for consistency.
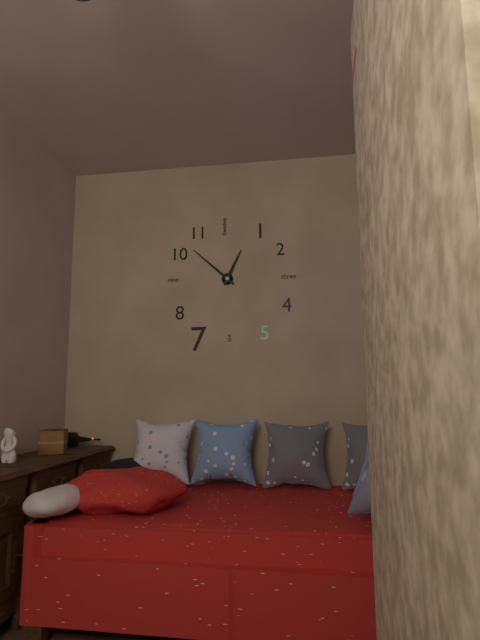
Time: h=12 m=52
